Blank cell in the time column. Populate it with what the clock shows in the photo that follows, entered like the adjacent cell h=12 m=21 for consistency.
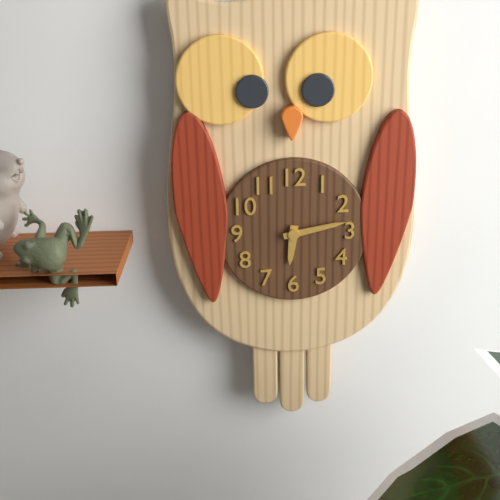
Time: h=6 m=13
